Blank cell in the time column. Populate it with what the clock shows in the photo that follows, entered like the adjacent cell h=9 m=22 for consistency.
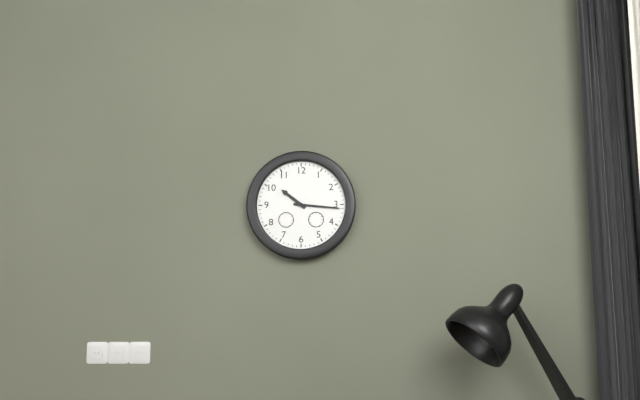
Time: h=10 m=16
